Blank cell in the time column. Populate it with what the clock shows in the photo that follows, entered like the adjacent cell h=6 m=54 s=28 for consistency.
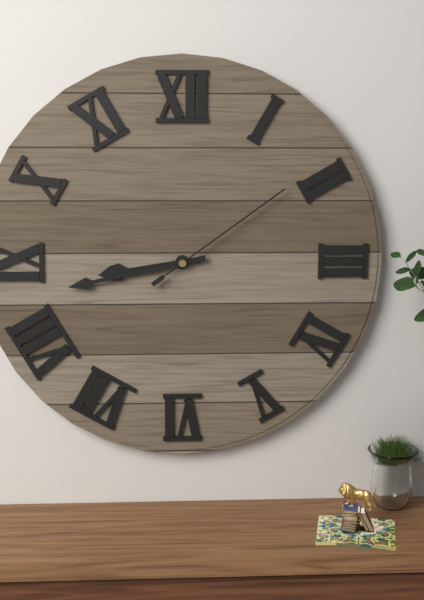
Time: h=8 m=43 s=9
